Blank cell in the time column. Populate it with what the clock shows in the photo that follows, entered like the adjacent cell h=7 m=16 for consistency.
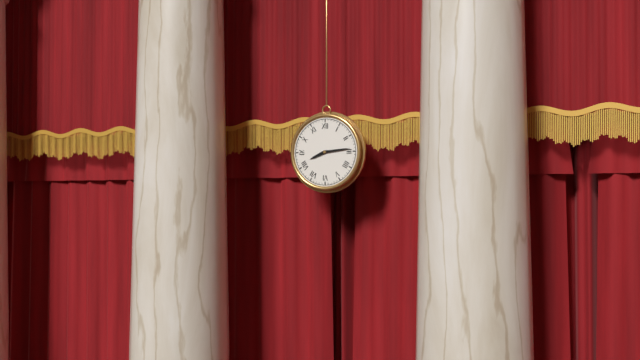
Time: h=8 m=14
